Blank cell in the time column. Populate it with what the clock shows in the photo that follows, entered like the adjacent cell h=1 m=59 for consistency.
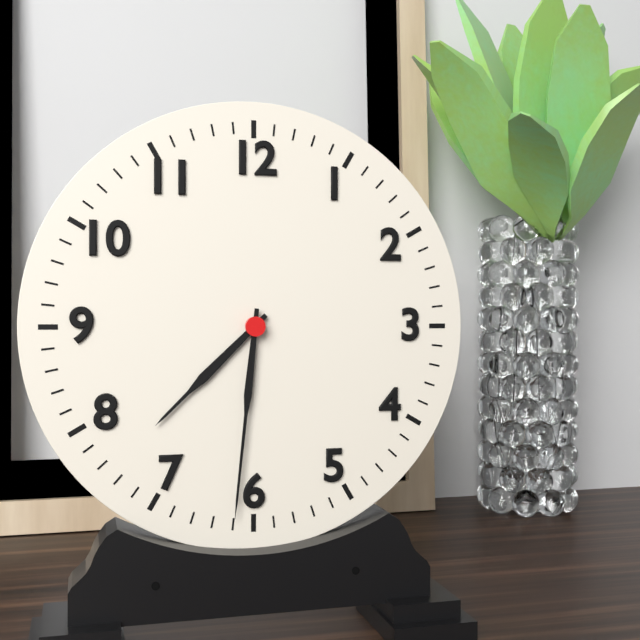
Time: h=7 m=31
